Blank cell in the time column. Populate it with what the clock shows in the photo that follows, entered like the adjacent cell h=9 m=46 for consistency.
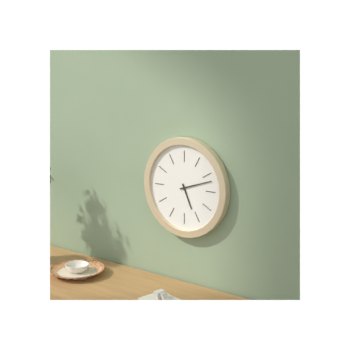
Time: h=5 m=12
